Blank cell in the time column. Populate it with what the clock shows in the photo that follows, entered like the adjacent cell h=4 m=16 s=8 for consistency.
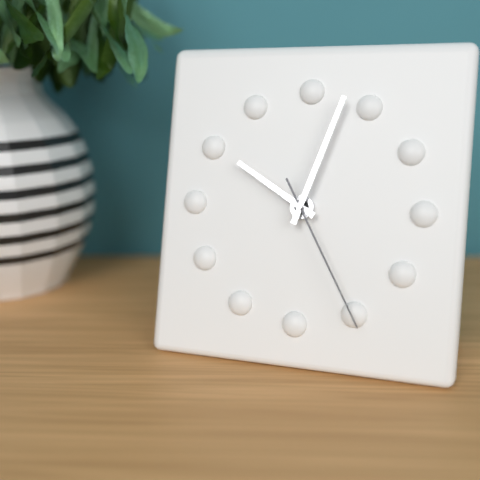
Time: h=10 m=3 s=25
